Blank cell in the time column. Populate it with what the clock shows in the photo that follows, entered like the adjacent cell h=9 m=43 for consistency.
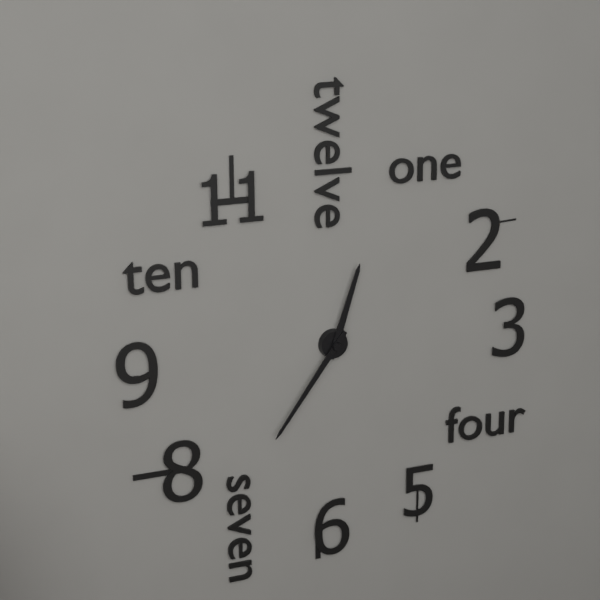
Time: h=12 m=36
